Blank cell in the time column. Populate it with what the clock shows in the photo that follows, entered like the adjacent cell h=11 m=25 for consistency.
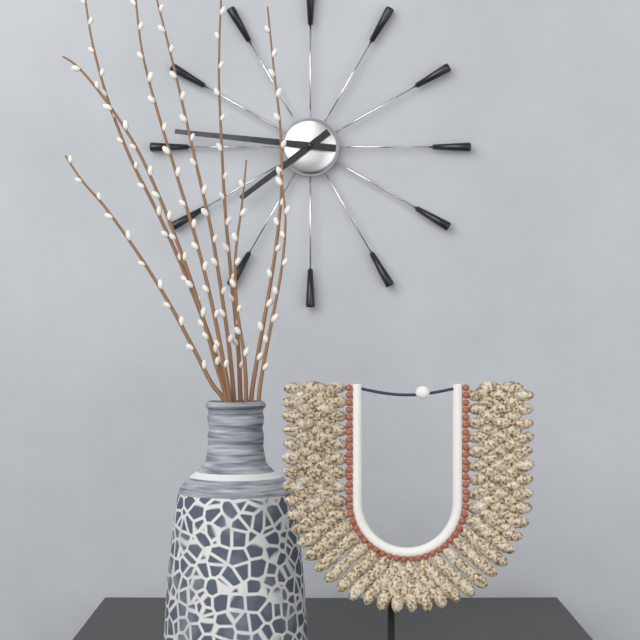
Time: h=7 m=46
